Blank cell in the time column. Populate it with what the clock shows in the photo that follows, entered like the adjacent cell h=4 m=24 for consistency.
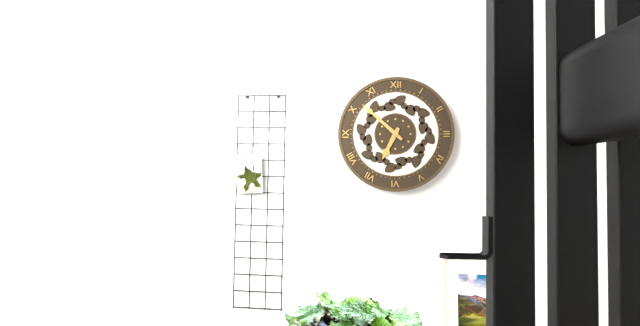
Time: h=6 m=52
